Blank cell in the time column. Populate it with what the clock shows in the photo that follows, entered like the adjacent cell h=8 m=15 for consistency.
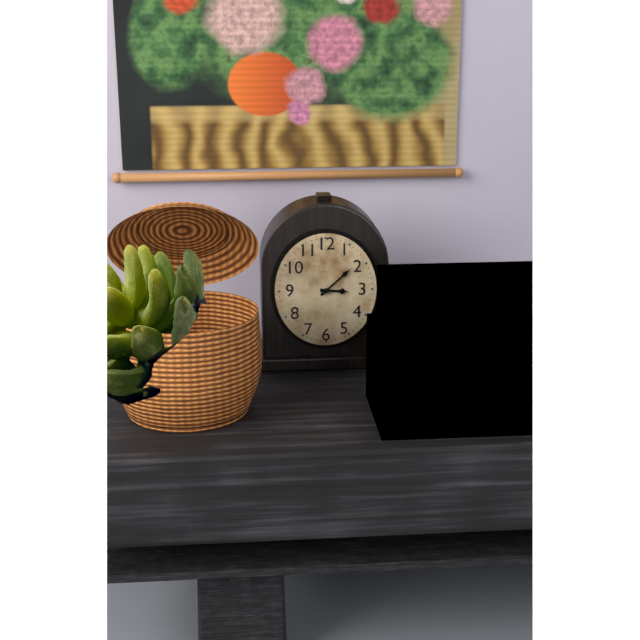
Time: h=3 m=8
